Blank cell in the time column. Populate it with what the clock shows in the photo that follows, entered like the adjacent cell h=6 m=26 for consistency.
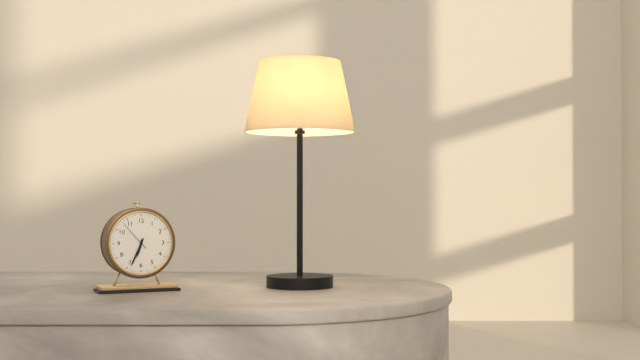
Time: h=6 m=34
